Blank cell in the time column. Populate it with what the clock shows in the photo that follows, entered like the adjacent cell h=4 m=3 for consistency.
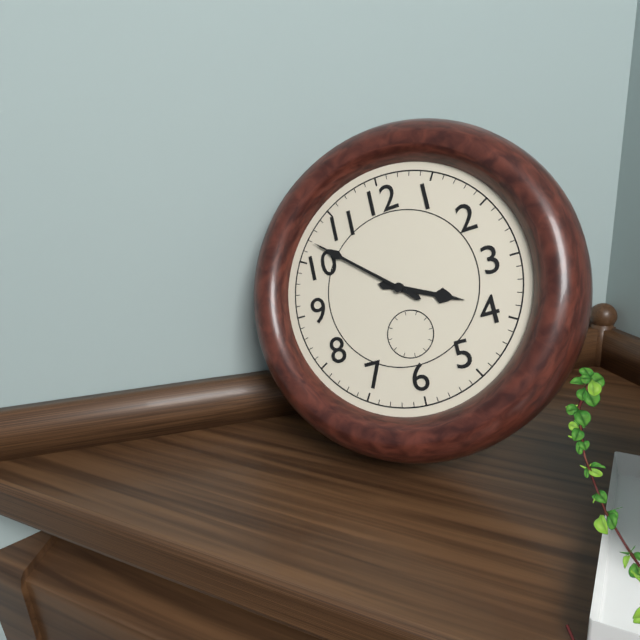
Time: h=3 m=52
